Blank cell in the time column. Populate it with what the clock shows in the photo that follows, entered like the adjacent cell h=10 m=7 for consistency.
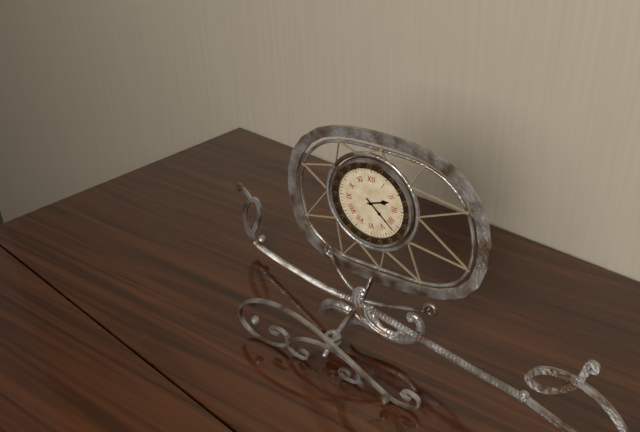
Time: h=2 m=22
